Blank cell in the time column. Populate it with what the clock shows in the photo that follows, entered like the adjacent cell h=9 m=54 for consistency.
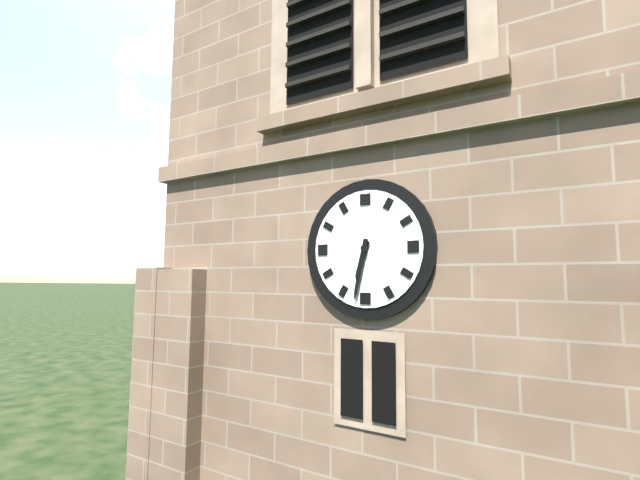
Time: h=6 m=32
